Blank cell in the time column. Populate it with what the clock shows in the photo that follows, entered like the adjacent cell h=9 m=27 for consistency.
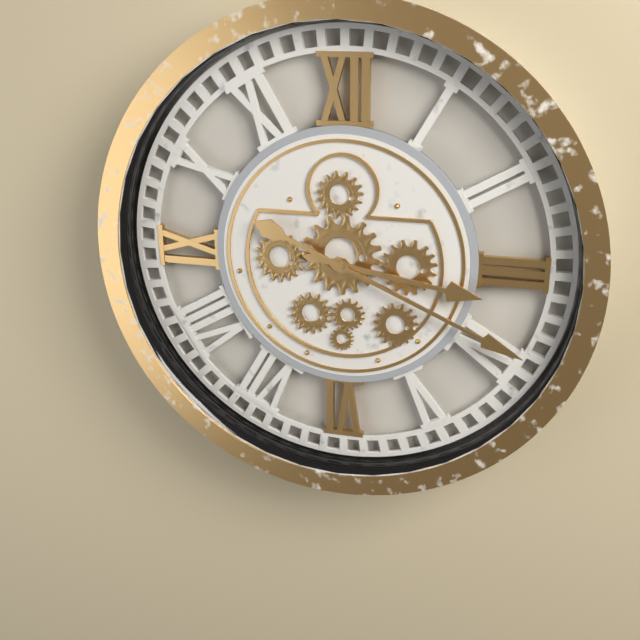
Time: h=3 m=19
